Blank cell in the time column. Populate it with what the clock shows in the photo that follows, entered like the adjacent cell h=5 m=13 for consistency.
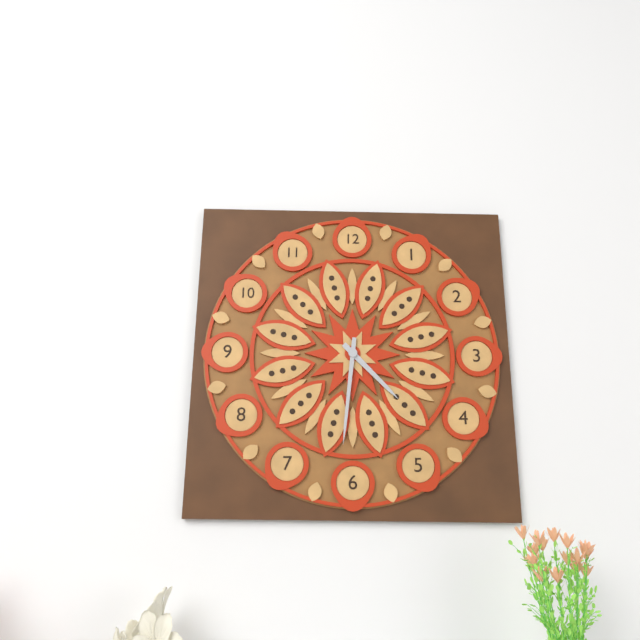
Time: h=4 m=31
